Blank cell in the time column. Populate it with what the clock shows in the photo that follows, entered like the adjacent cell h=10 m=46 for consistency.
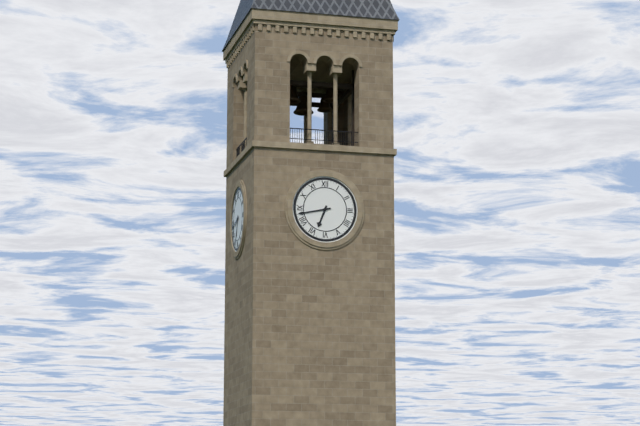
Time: h=6 m=43
